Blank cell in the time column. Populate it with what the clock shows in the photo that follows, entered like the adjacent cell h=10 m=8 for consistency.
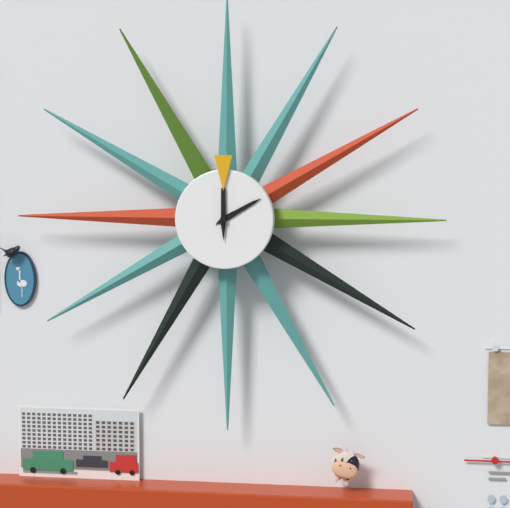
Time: h=2 m=0
